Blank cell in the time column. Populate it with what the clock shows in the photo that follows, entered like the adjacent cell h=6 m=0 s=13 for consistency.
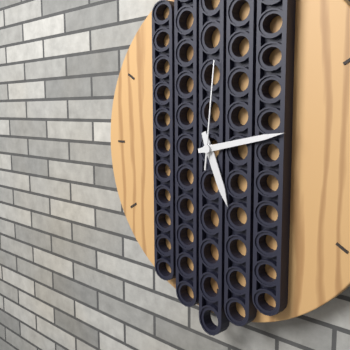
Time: h=5 m=13 s=1
